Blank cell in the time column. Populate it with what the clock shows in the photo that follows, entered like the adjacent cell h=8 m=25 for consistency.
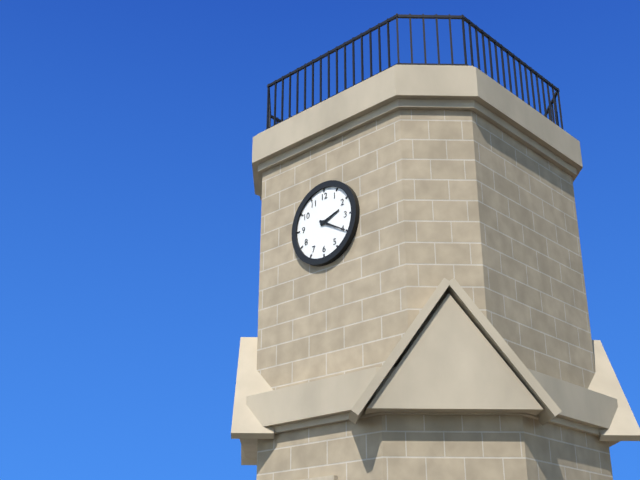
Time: h=2 m=20
